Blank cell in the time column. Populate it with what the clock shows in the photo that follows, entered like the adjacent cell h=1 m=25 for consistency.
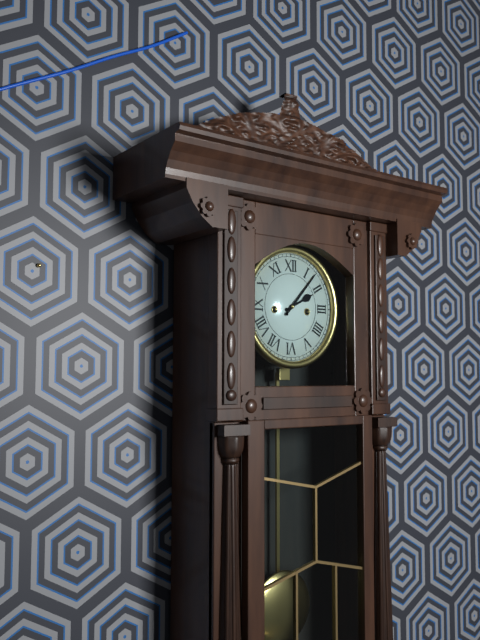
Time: h=2 m=7
